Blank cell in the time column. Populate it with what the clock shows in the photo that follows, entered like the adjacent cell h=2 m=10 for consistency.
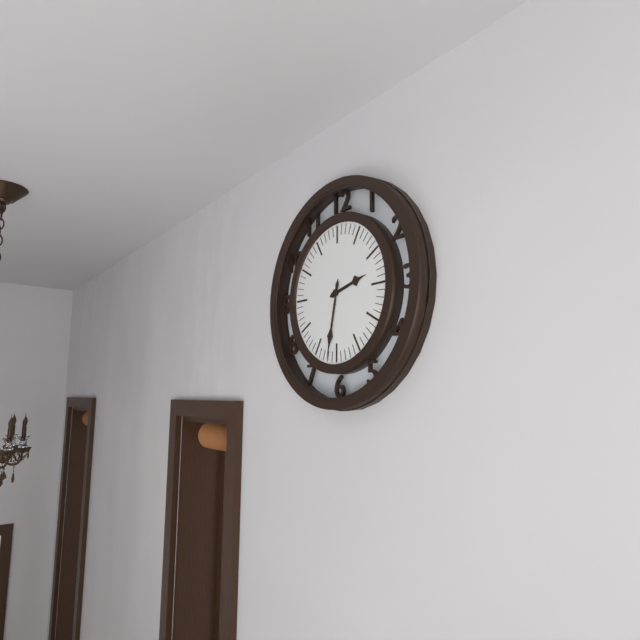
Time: h=2 m=32
